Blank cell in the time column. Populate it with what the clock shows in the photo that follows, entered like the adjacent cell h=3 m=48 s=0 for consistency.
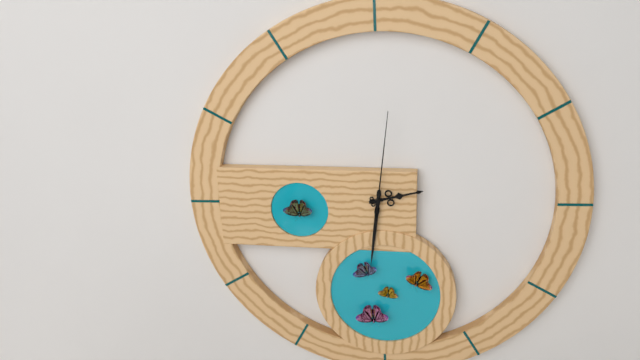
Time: h=2 m=31 s=1
